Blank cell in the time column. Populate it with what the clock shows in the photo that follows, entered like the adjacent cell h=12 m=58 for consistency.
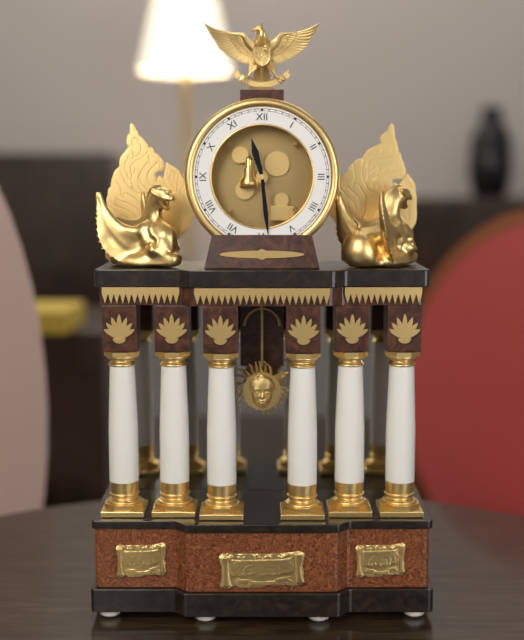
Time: h=11 m=29
